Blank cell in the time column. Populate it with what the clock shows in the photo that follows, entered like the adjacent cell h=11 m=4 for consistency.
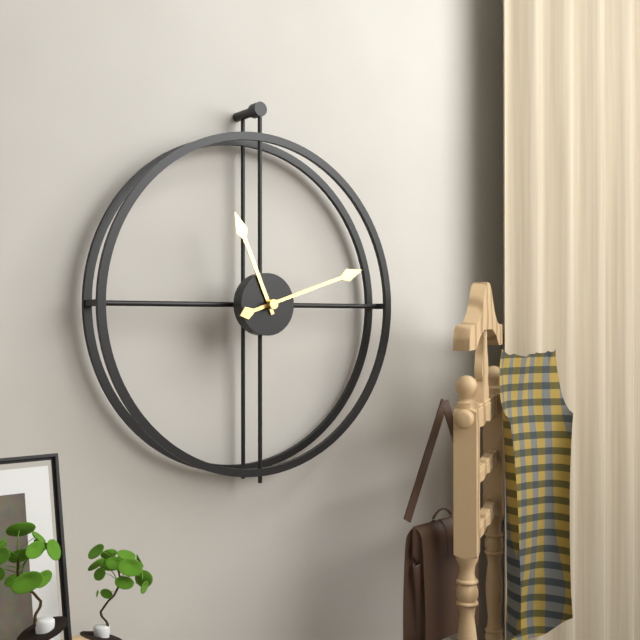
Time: h=11 m=12
